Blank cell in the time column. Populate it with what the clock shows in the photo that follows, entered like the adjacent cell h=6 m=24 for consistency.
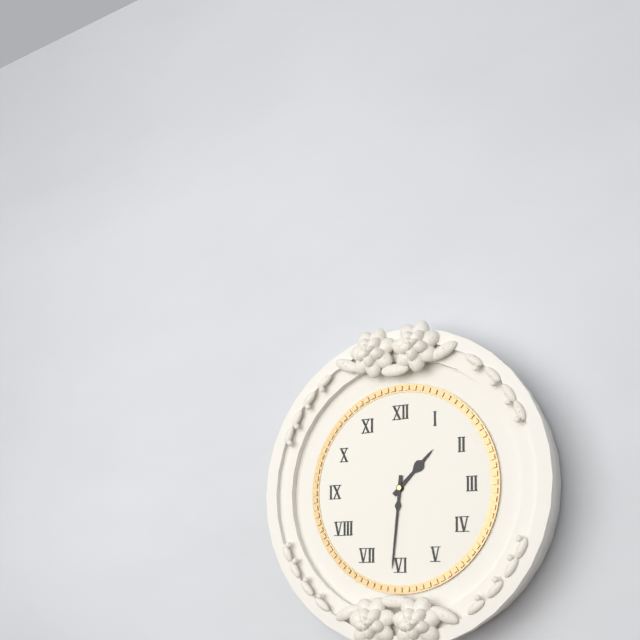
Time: h=1 m=31
